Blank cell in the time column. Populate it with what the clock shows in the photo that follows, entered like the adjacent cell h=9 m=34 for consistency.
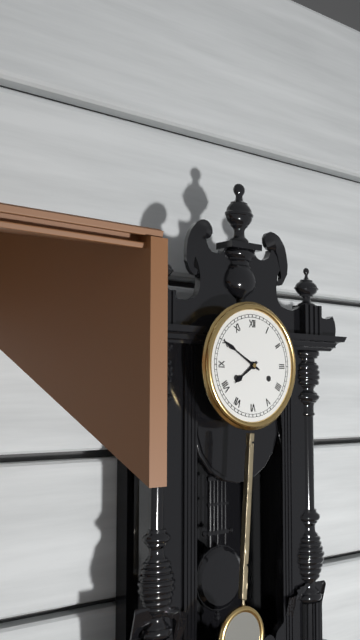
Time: h=7 m=50
